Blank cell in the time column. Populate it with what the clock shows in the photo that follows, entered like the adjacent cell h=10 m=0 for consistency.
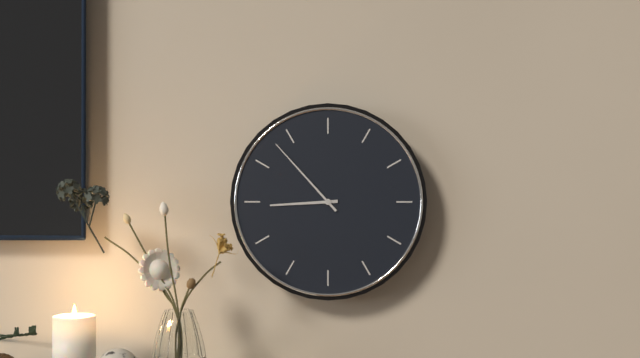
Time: h=8 m=53
